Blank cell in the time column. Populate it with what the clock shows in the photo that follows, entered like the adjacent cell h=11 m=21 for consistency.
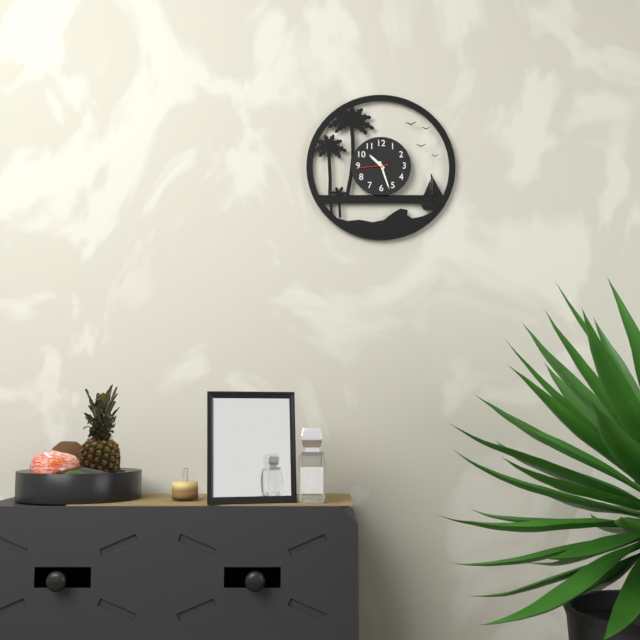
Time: h=10 m=27
